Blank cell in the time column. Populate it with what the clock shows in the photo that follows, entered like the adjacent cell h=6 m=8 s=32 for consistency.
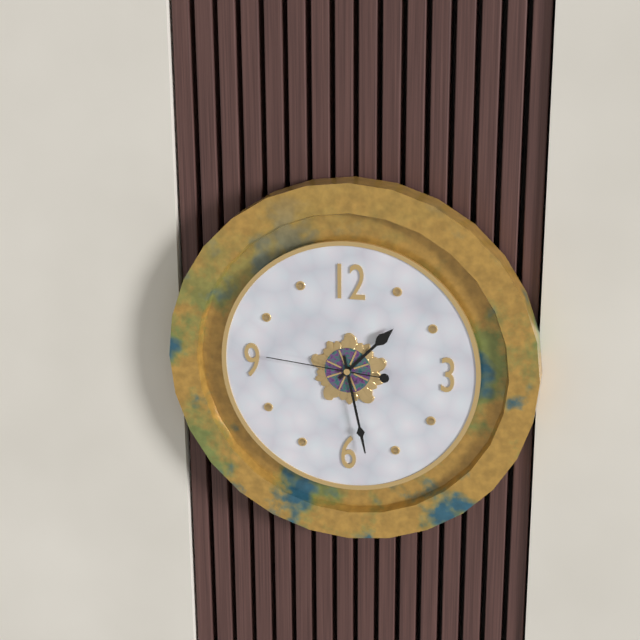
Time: h=1 m=28 s=46
